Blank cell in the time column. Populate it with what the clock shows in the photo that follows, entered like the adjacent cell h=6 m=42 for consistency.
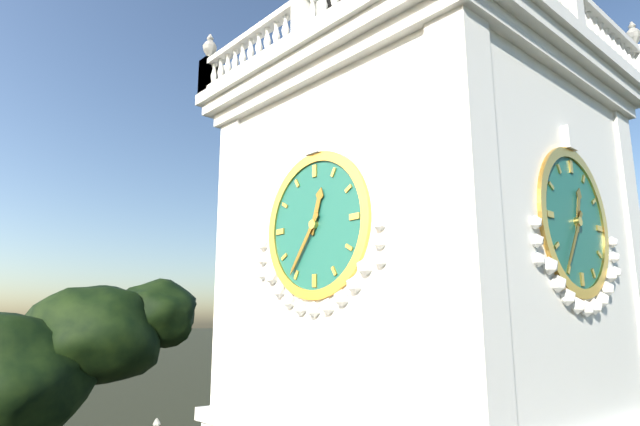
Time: h=12 m=36
